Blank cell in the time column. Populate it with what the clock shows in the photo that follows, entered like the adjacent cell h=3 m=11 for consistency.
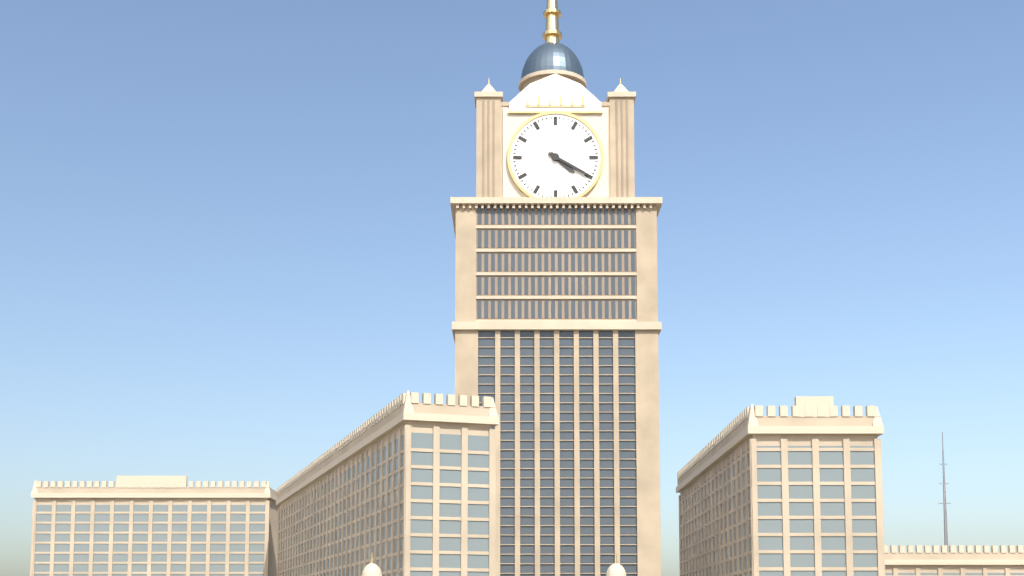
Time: h=4 m=20
